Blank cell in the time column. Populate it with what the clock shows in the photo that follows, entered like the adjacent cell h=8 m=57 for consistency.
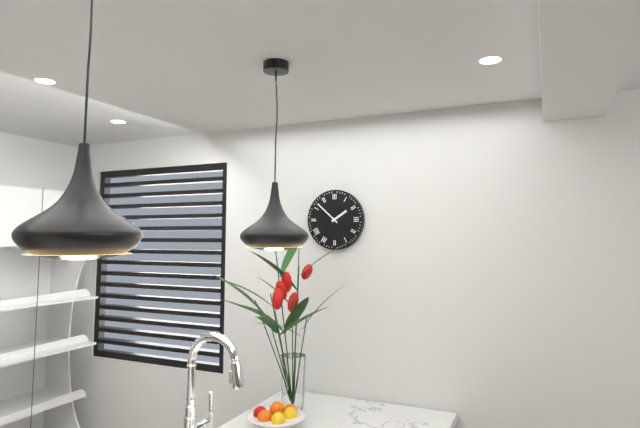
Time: h=1 m=52
